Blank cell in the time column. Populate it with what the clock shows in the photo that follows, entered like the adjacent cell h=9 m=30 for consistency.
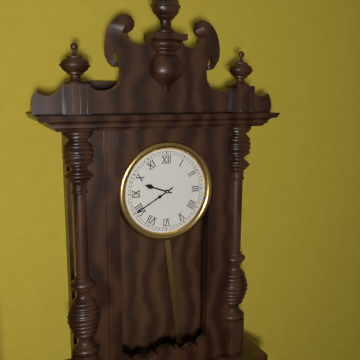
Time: h=9 m=40
